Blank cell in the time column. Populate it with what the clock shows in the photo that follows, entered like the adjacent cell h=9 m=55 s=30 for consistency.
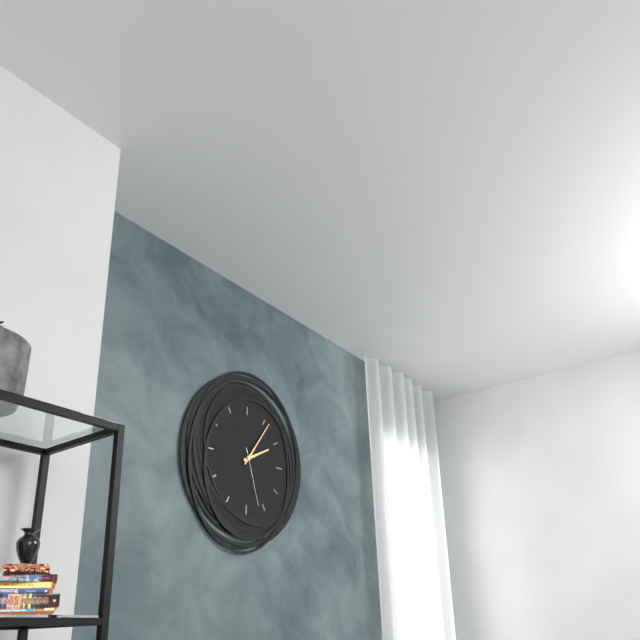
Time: h=2 m=6 s=27
